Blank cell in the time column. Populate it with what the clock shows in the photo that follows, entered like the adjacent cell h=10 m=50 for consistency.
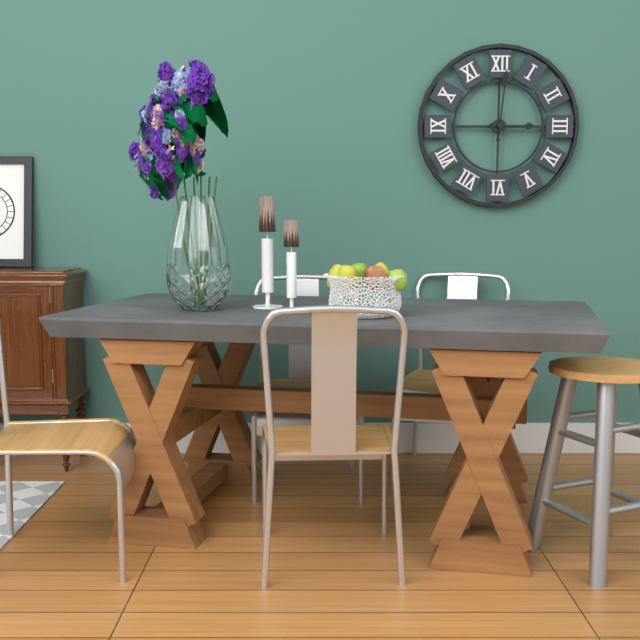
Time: h=3 m=1
